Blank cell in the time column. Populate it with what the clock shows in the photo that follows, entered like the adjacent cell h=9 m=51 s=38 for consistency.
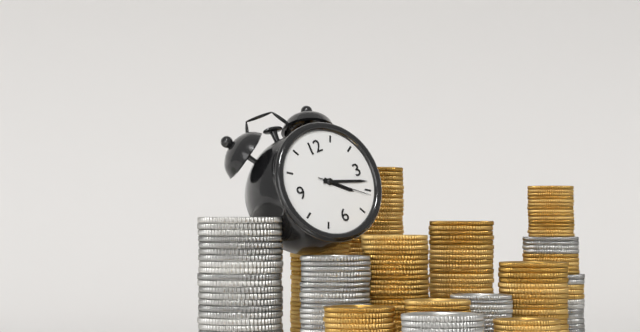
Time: h=4 m=18 s=21
